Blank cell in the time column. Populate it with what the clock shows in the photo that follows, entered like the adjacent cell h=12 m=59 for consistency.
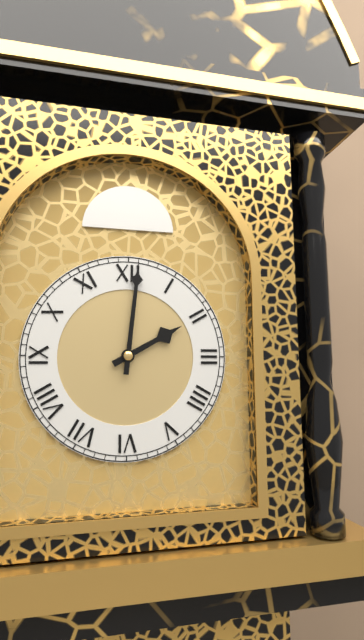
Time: h=2 m=1
